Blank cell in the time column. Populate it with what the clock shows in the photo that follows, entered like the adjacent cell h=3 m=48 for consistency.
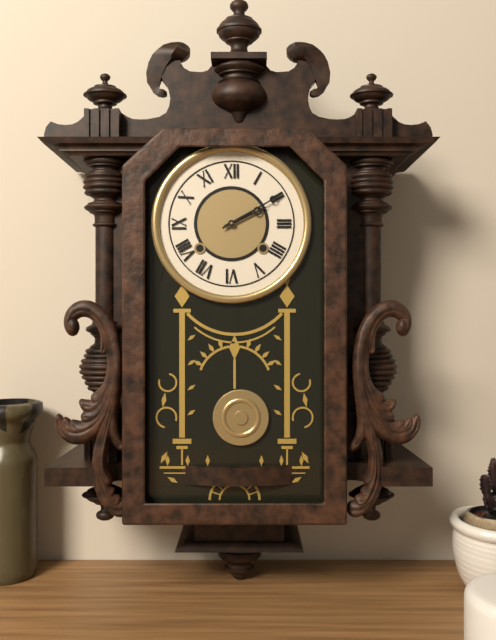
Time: h=2 m=10
